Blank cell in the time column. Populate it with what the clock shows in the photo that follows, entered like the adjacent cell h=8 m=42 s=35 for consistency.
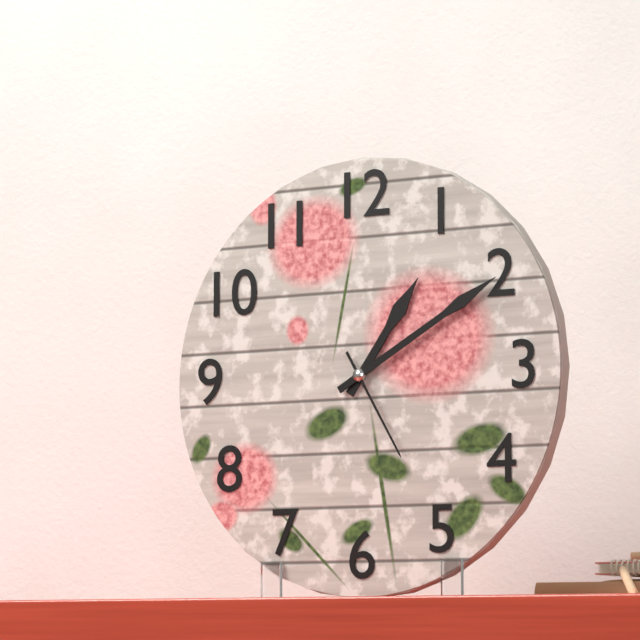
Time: h=1 m=10 s=25
